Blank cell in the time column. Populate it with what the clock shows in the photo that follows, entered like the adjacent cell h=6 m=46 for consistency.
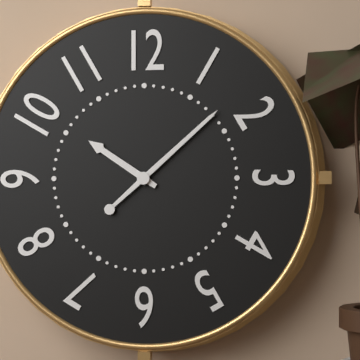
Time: h=10 m=8
